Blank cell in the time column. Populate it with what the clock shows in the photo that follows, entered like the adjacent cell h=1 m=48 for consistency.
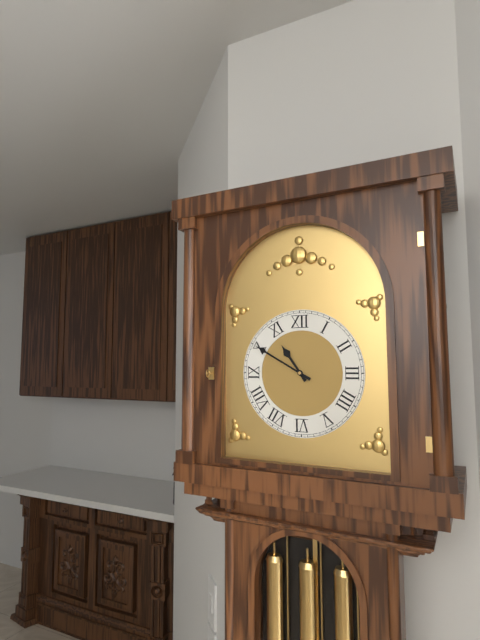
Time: h=10 m=50
